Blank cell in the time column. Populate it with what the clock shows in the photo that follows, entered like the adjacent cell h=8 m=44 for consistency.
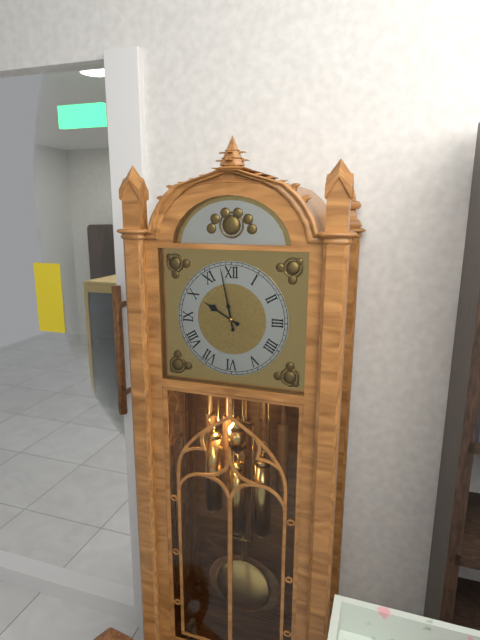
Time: h=9 m=58
